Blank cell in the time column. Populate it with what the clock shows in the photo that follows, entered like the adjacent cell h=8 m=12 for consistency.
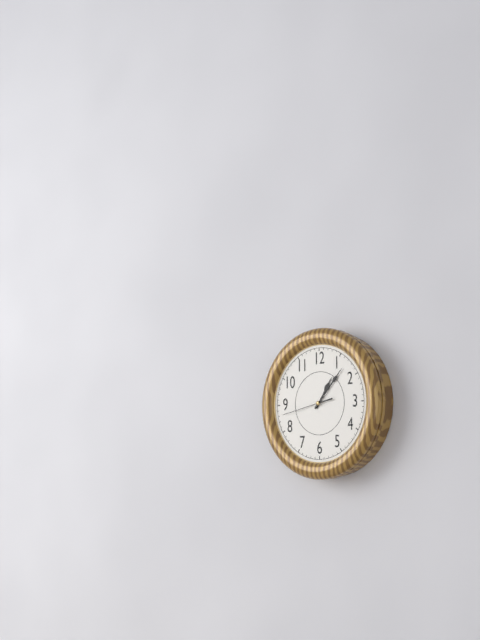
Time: h=1 m=7
